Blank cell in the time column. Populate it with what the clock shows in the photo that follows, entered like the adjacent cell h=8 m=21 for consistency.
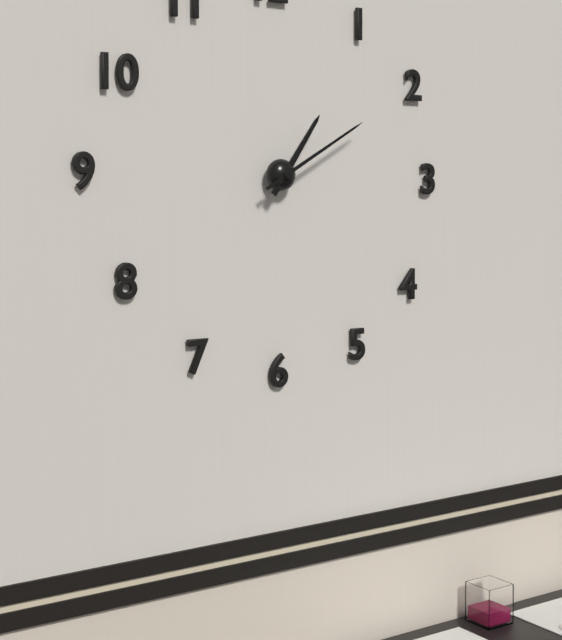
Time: h=1 m=10
